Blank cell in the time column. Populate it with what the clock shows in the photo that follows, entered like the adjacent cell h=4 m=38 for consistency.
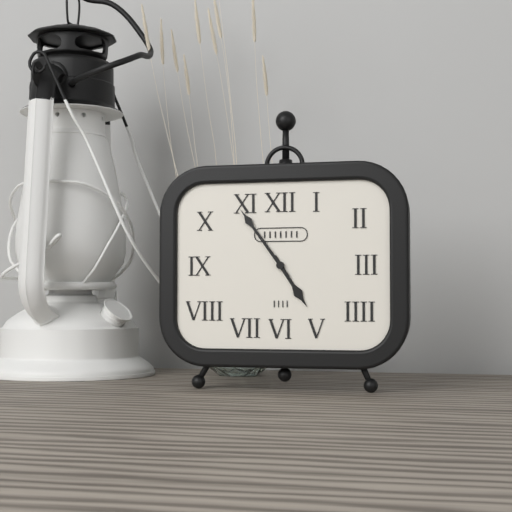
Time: h=4 m=54
